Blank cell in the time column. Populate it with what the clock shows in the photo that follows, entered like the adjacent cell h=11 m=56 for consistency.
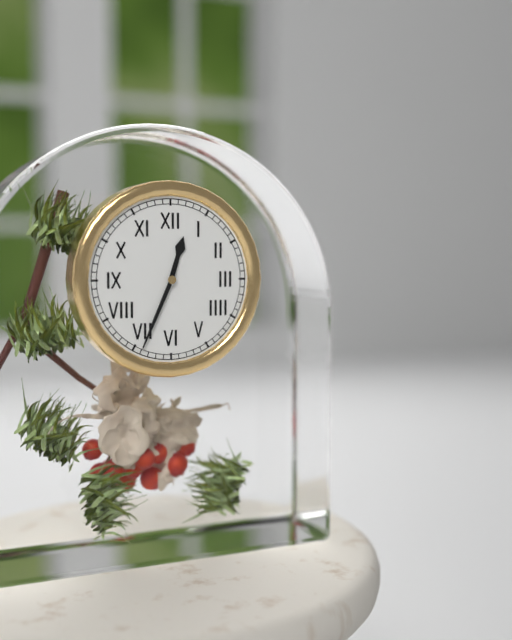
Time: h=12 m=34
